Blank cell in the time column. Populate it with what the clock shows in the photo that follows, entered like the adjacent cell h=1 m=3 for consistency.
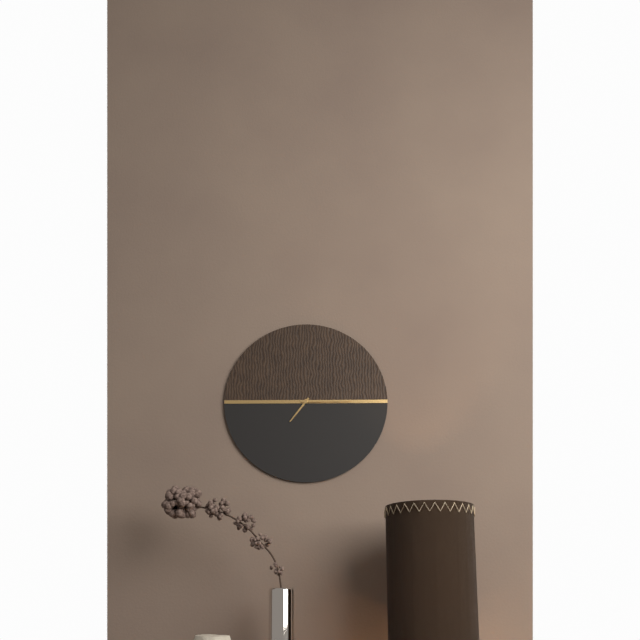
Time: h=7 m=15
